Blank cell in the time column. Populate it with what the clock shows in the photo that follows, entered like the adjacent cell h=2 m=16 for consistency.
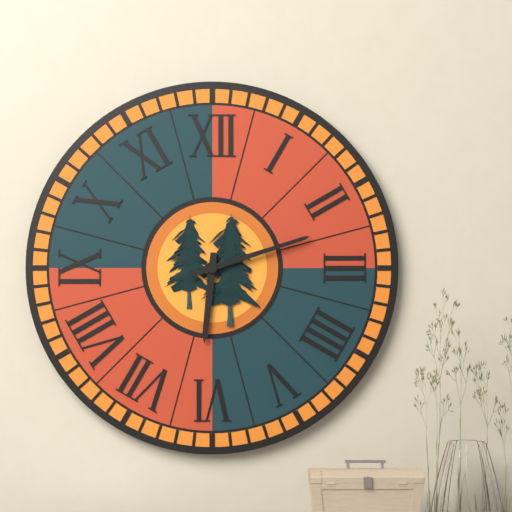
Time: h=6 m=12
